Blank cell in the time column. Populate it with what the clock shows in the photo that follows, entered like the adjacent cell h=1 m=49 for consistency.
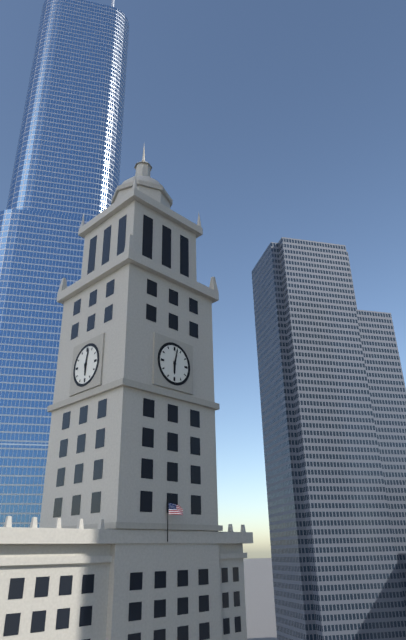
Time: h=6 m=2
